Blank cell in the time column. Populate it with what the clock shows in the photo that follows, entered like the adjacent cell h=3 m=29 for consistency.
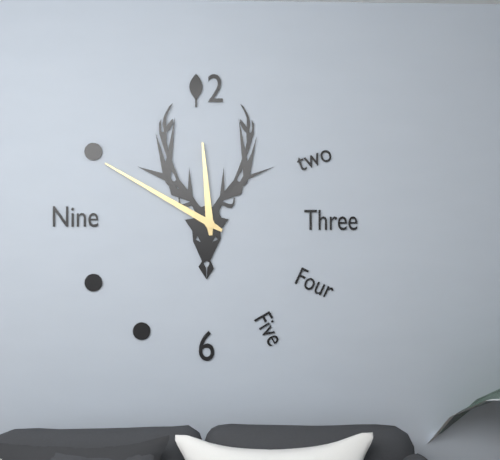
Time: h=11 m=50
